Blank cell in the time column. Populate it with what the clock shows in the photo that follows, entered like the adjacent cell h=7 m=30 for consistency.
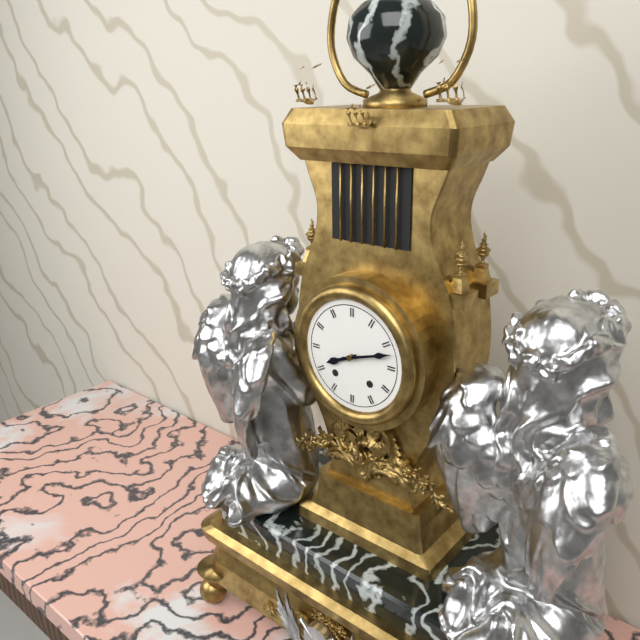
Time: h=8 m=12
